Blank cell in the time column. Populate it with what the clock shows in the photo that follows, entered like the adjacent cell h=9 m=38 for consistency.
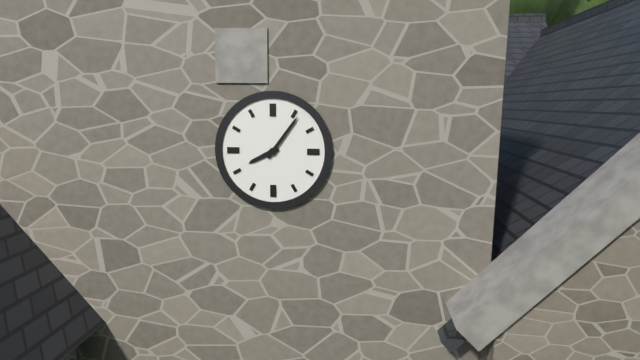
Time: h=8 m=6
